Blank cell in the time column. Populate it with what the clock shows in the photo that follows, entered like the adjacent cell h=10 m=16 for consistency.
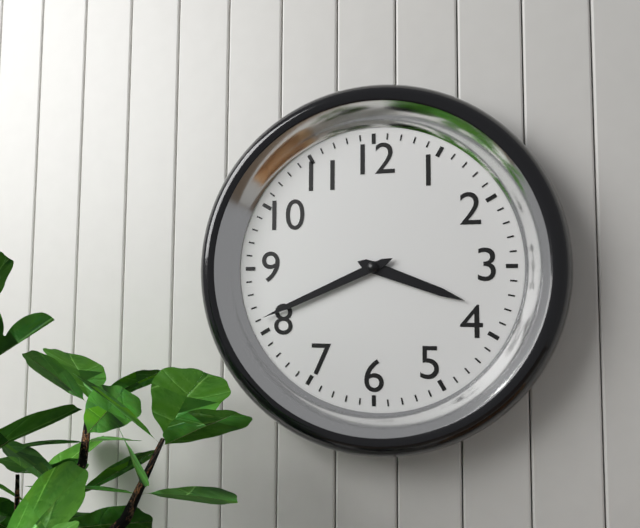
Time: h=3 m=41
